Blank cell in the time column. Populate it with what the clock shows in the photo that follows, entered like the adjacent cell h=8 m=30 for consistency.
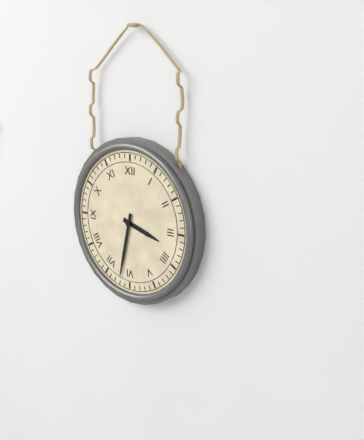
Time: h=3 m=32
